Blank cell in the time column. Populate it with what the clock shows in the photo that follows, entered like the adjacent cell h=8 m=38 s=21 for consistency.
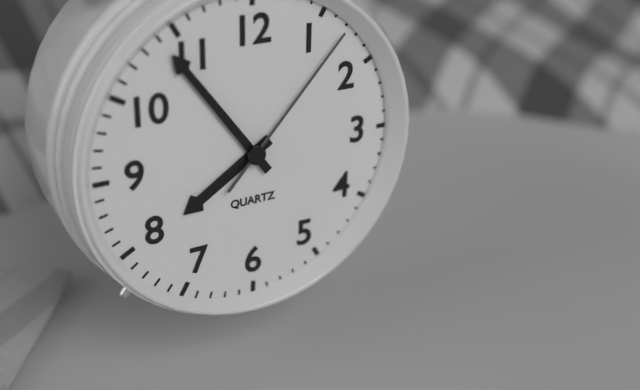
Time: h=7 m=54 s=7
